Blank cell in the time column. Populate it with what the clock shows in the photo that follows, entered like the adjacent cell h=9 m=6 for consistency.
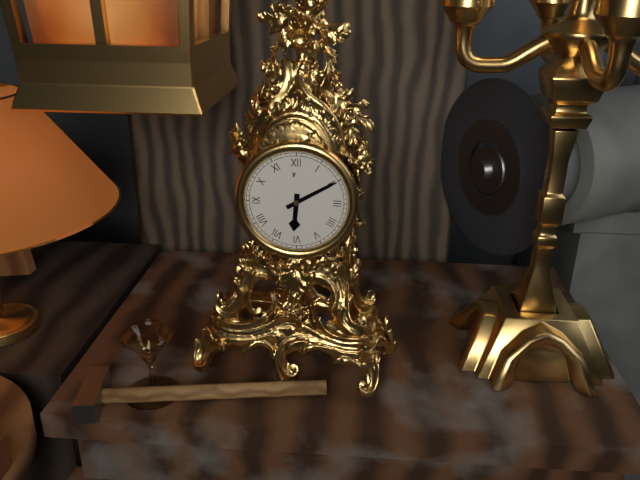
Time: h=6 m=10
